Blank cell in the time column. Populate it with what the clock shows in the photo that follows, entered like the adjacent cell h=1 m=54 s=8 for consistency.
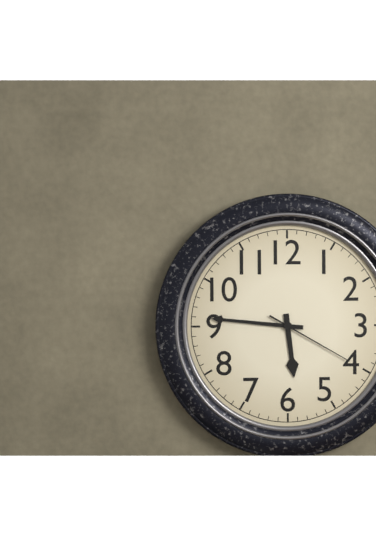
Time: h=5 m=46 s=20
